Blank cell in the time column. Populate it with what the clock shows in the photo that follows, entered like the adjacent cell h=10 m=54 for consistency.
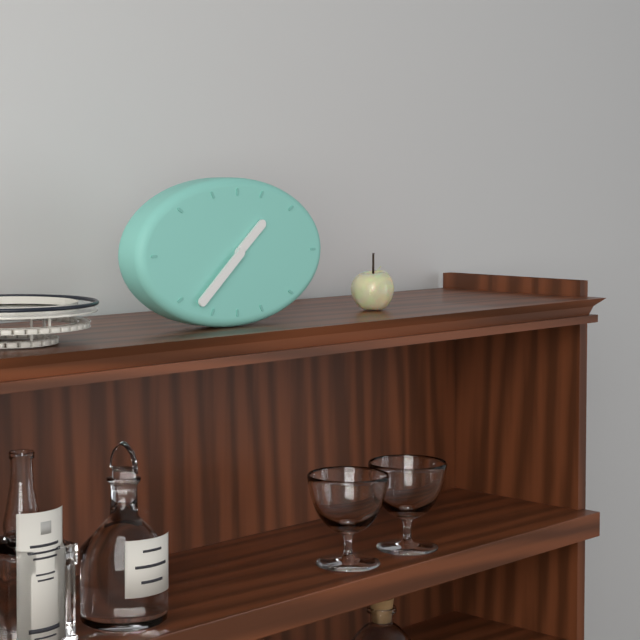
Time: h=1 m=38
